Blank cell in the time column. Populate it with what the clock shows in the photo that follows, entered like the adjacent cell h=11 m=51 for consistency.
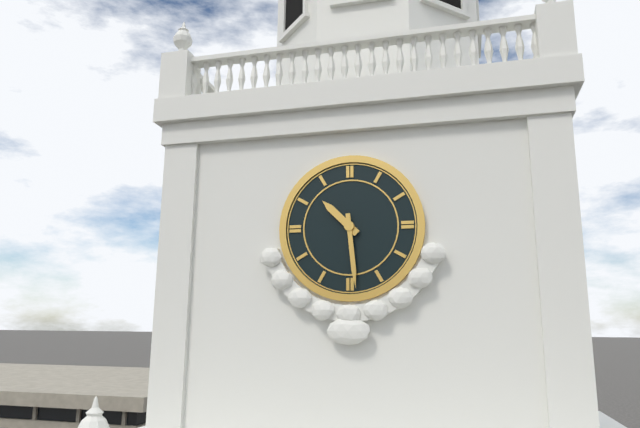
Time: h=10 m=29
